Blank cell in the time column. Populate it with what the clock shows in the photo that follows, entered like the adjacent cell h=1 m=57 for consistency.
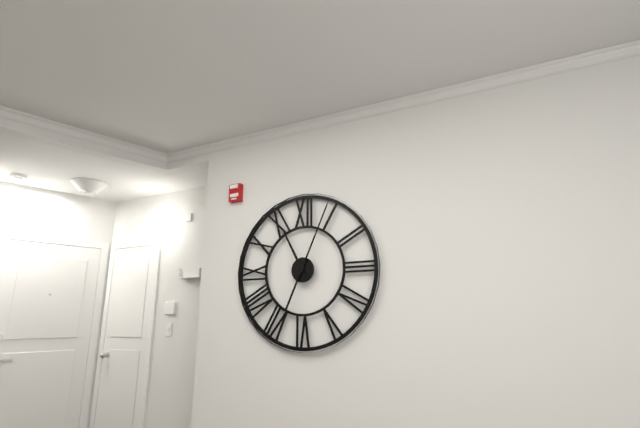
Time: h=11 m=4
